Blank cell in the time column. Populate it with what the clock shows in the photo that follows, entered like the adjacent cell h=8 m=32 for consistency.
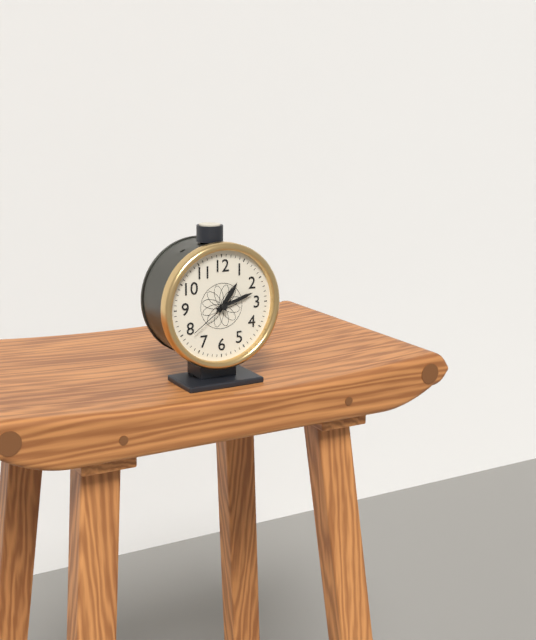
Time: h=1 m=12
